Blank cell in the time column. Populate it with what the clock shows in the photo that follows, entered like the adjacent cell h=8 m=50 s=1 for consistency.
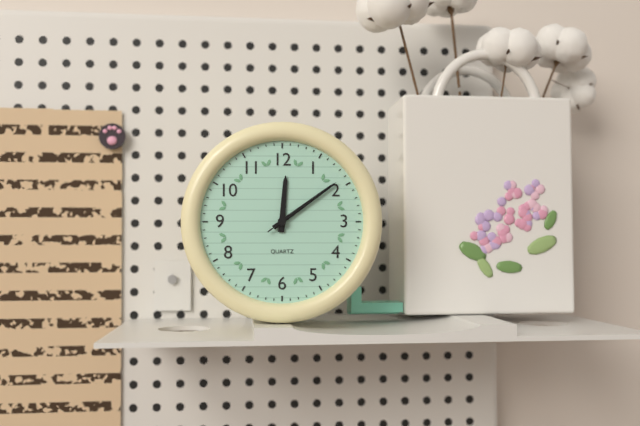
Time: h=12 m=9 s=9
